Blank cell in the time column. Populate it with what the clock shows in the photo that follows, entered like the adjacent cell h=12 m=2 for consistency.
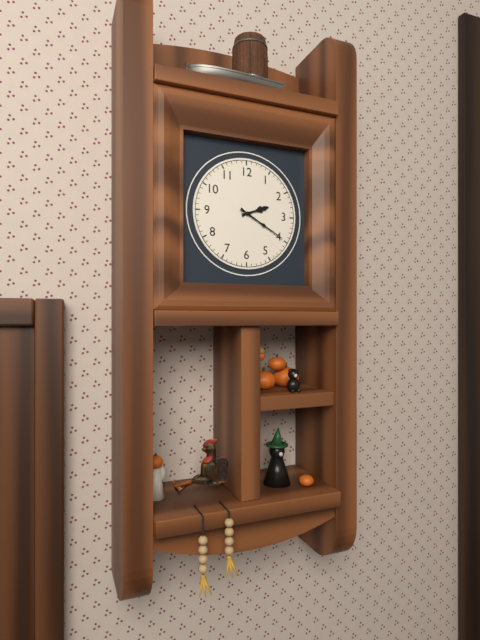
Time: h=2 m=20
